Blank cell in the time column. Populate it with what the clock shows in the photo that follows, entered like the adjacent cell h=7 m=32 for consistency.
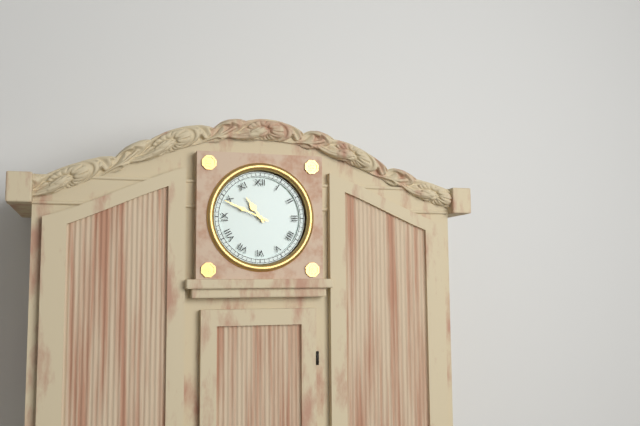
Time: h=10 m=49
